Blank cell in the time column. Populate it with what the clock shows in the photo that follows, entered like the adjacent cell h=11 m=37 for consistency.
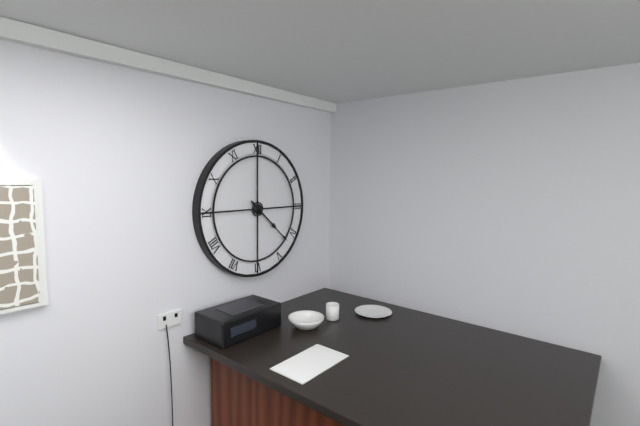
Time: h=4 m=22
